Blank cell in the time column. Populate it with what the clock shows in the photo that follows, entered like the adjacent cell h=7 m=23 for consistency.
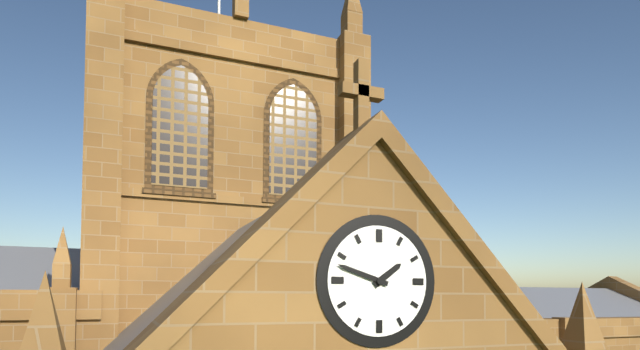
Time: h=1 m=48
